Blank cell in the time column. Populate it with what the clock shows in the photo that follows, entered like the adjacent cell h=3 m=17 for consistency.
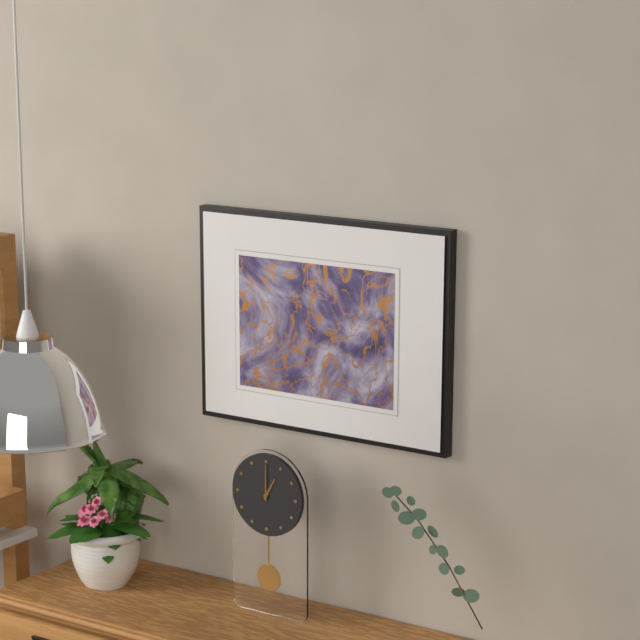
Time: h=1 m=0
